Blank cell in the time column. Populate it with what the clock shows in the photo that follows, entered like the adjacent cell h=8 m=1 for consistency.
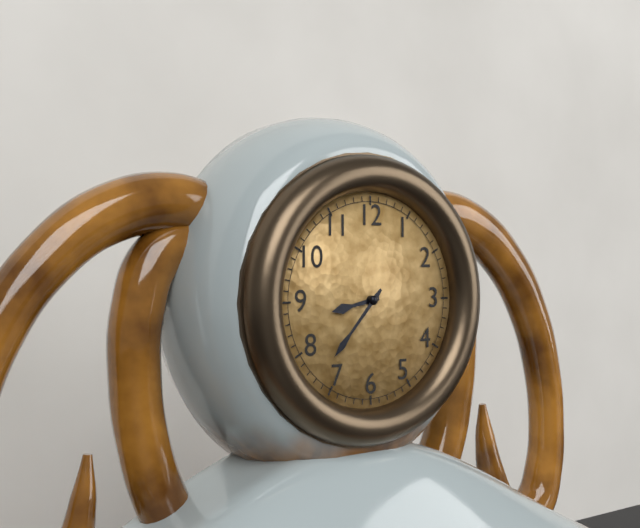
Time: h=8 m=37
